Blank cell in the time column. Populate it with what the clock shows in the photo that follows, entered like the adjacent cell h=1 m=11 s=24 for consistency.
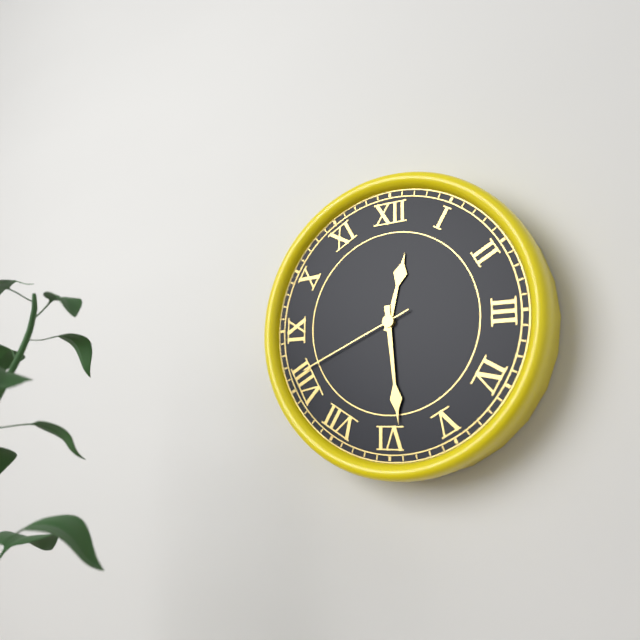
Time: h=12 m=29 s=41
